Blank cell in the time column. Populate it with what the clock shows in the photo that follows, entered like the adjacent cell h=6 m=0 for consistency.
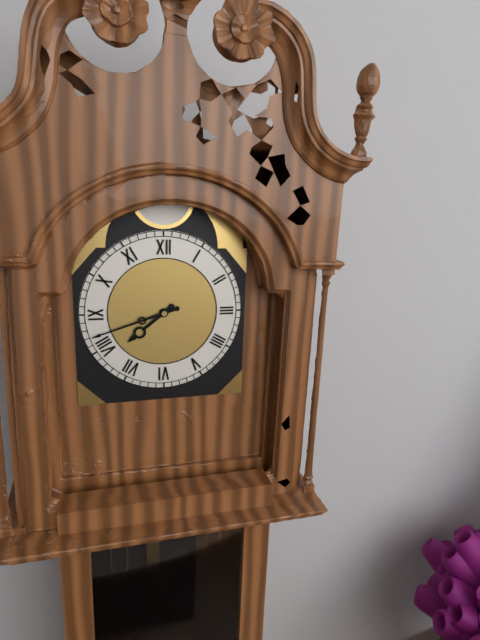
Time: h=7 m=42
